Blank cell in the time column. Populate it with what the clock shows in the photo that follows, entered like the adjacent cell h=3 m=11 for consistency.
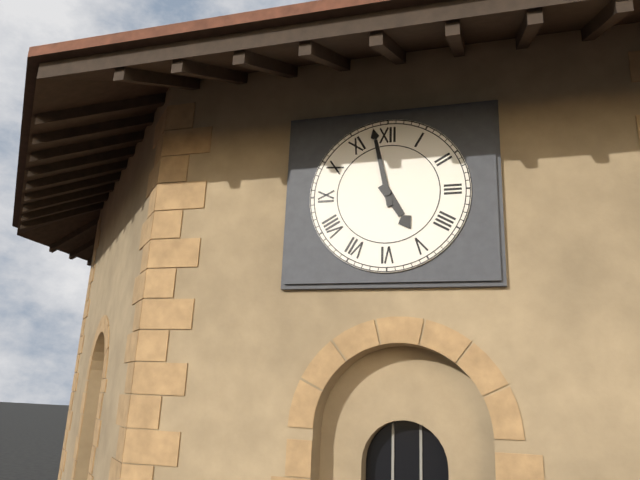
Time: h=4 m=58
